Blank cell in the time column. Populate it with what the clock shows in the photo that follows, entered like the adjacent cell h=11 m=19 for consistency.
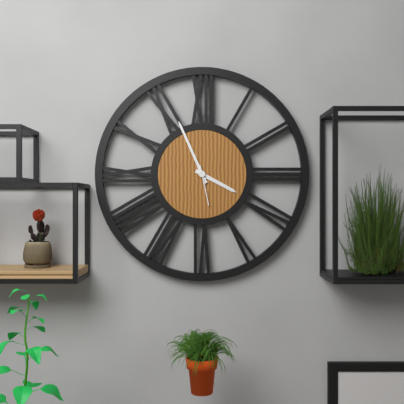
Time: h=3 m=56
